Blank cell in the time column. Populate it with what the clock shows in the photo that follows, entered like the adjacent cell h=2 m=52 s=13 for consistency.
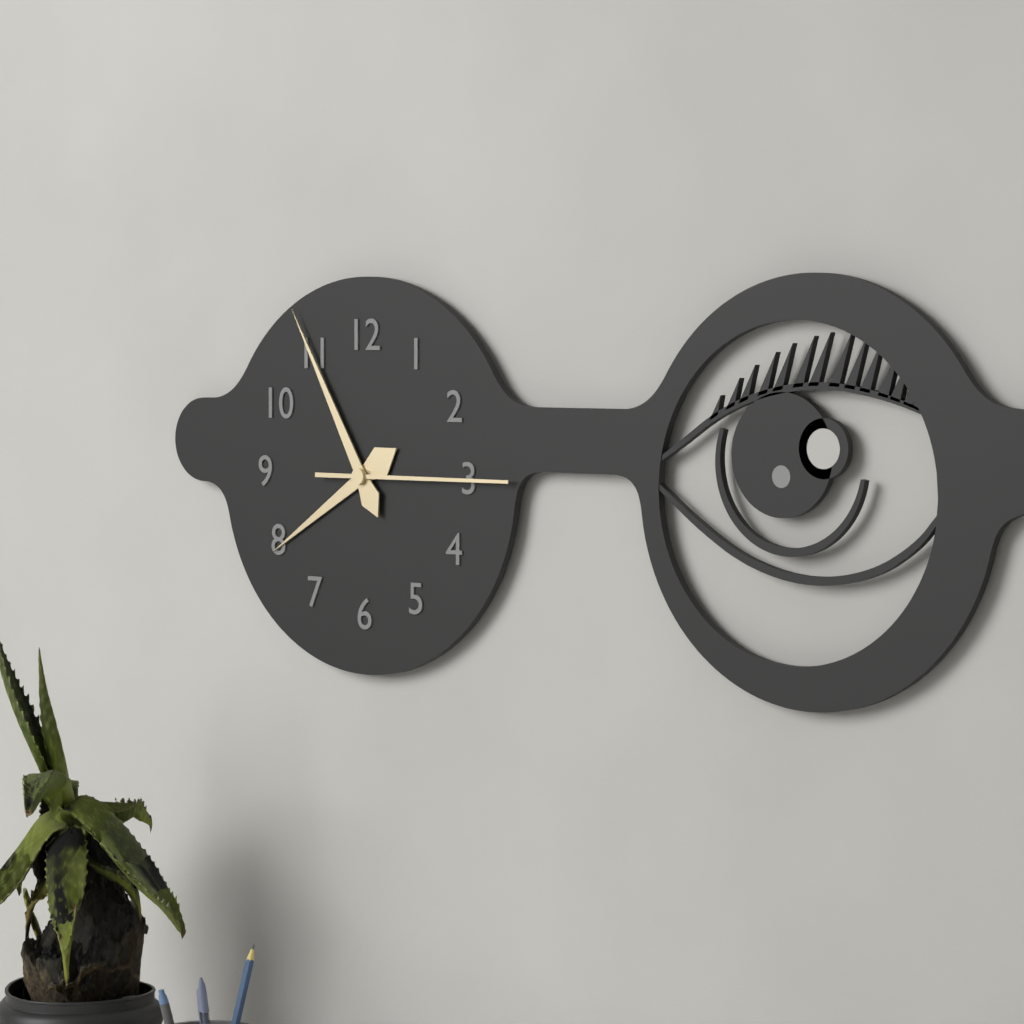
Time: h=7 m=55 s=15
